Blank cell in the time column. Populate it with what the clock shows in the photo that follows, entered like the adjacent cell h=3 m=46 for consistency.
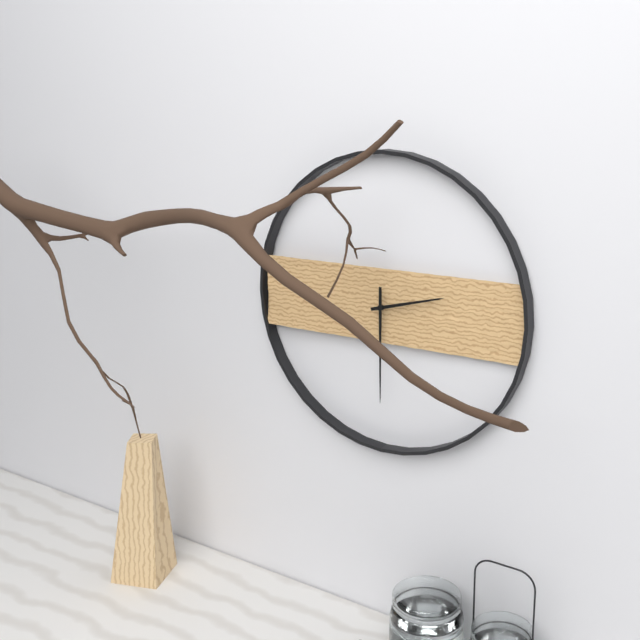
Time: h=2 m=30
